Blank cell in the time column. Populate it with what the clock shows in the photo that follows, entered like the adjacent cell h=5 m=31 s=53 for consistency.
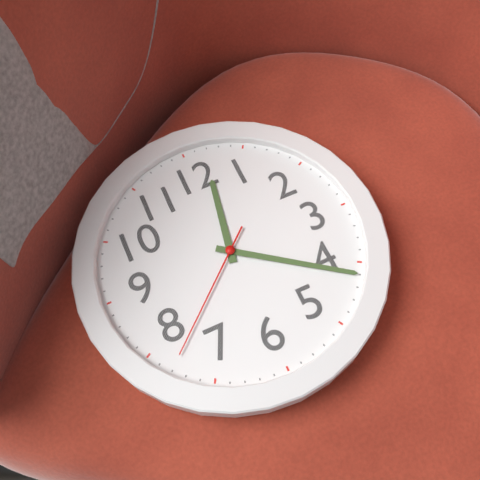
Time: h=12 m=21 s=38
